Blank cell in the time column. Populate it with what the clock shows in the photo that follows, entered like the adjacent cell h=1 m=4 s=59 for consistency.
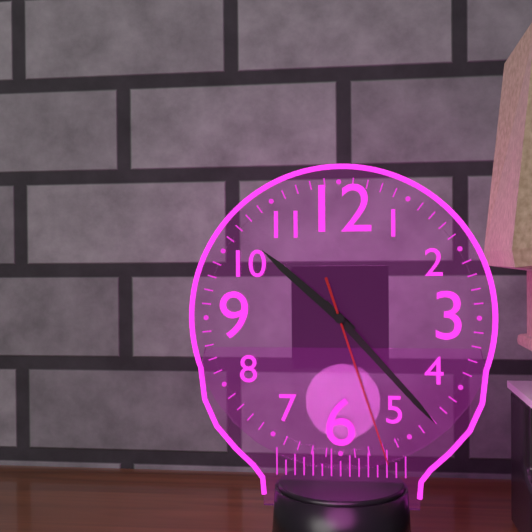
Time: h=10 m=23 s=27
